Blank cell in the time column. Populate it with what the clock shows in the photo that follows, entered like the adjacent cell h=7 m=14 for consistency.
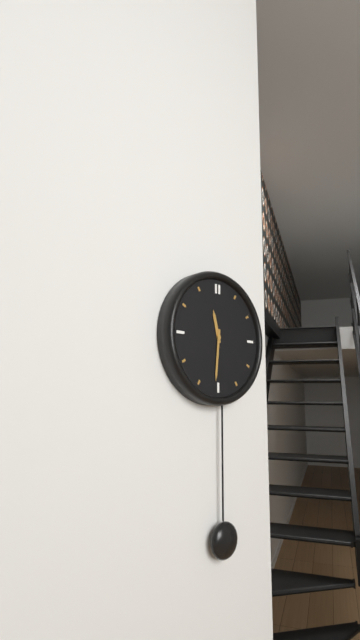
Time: h=11 m=31
